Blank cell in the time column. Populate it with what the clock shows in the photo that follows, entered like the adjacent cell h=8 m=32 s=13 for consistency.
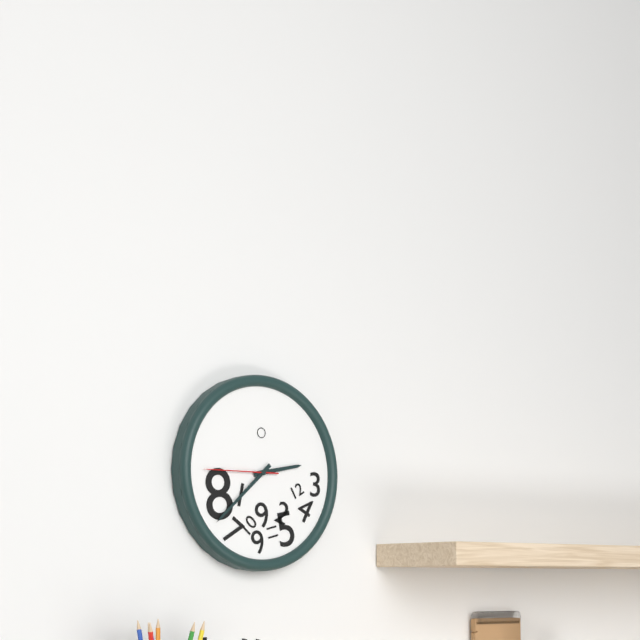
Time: h=2 m=38 s=45
